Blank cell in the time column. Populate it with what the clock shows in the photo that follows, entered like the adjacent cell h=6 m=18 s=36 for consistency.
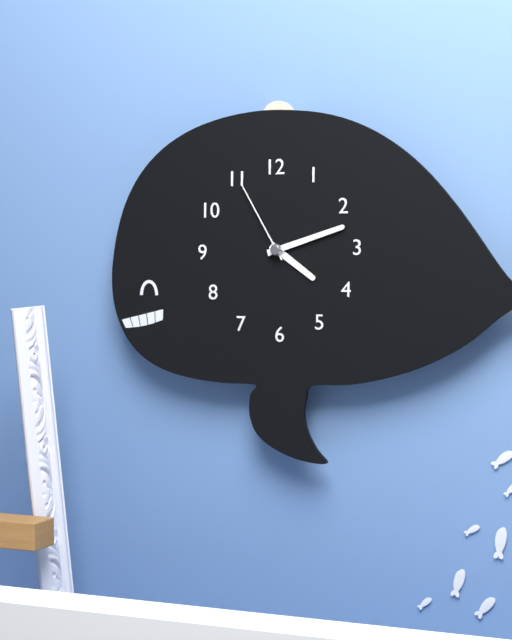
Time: h=4 m=12 s=55
